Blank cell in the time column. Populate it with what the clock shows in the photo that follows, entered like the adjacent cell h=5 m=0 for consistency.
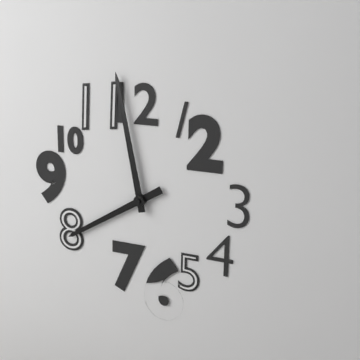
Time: h=7 m=58
